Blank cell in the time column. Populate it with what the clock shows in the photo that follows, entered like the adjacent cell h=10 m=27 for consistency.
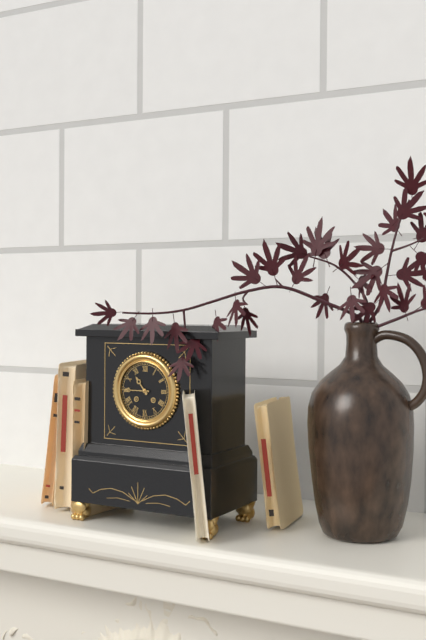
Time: h=10 m=45
